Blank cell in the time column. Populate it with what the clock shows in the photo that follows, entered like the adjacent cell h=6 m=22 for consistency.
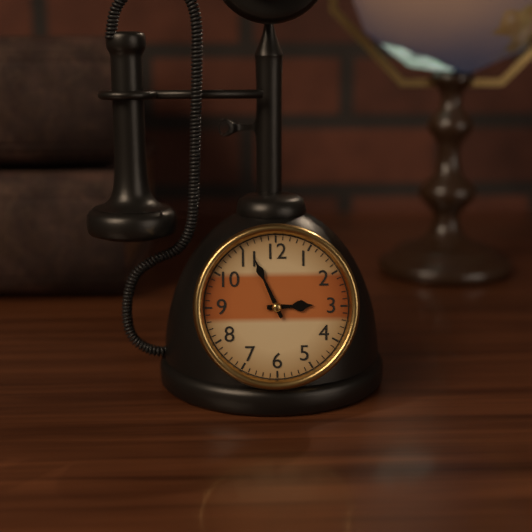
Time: h=2 m=56
